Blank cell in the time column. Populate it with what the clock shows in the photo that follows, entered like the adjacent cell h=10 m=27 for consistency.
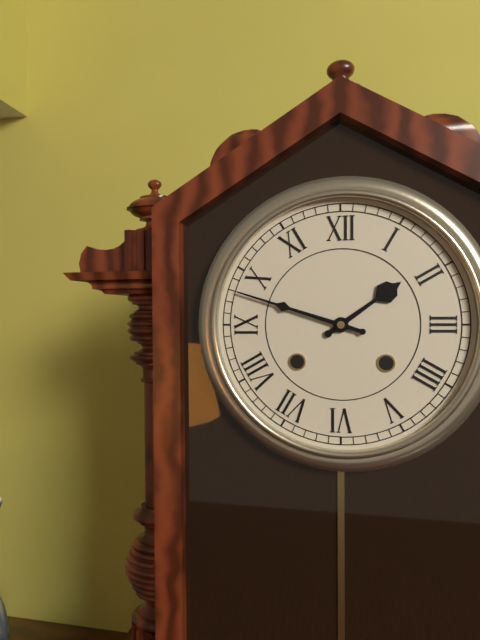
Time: h=1 m=48
